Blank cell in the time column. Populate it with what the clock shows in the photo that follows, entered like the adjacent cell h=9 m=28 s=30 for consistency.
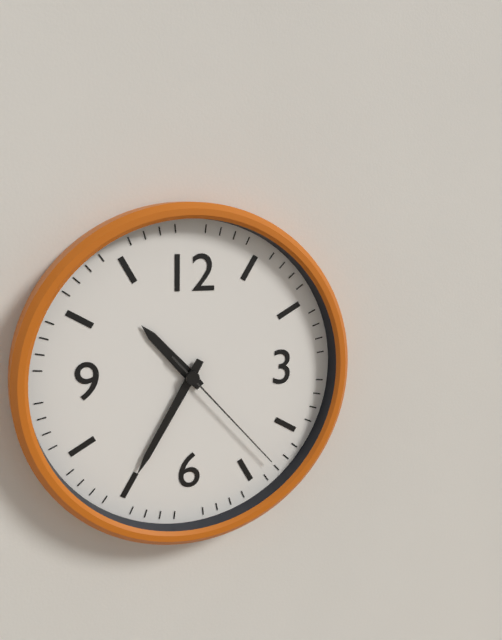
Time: h=10 m=35 s=23
